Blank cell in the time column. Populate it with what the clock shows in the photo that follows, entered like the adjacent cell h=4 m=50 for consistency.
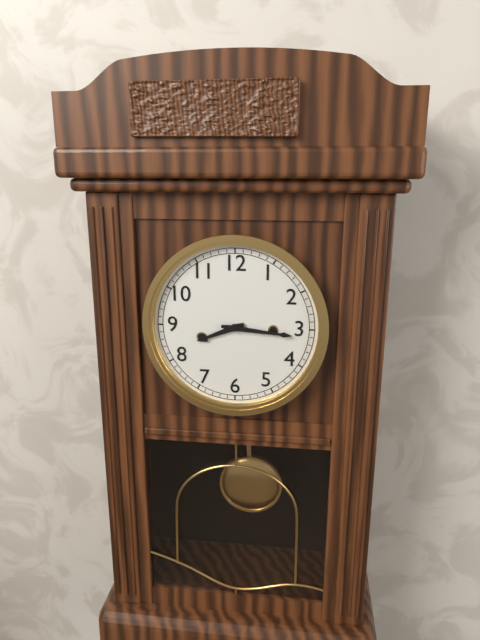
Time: h=8 m=16
